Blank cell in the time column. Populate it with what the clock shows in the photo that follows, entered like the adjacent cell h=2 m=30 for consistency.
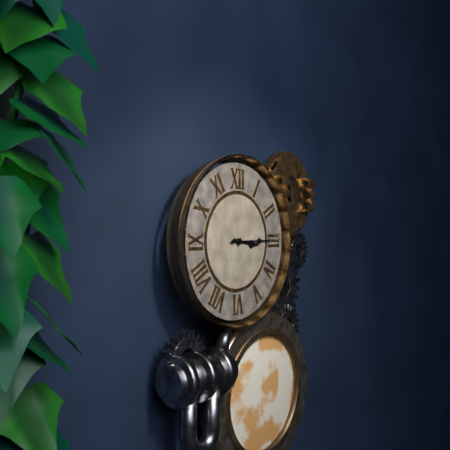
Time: h=3 m=15
